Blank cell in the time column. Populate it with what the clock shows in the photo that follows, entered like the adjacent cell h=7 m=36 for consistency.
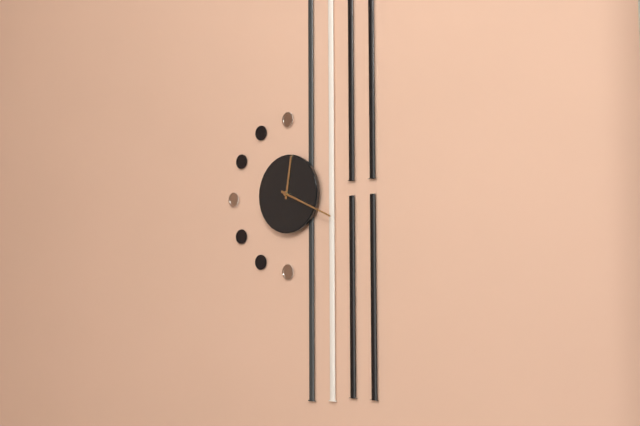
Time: h=12 m=19
